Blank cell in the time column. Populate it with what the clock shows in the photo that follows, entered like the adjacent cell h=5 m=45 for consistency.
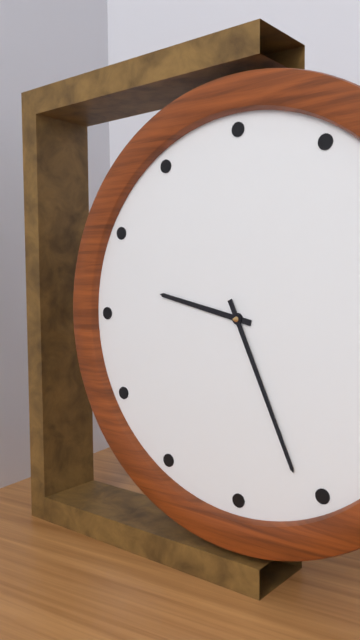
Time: h=9 m=26
